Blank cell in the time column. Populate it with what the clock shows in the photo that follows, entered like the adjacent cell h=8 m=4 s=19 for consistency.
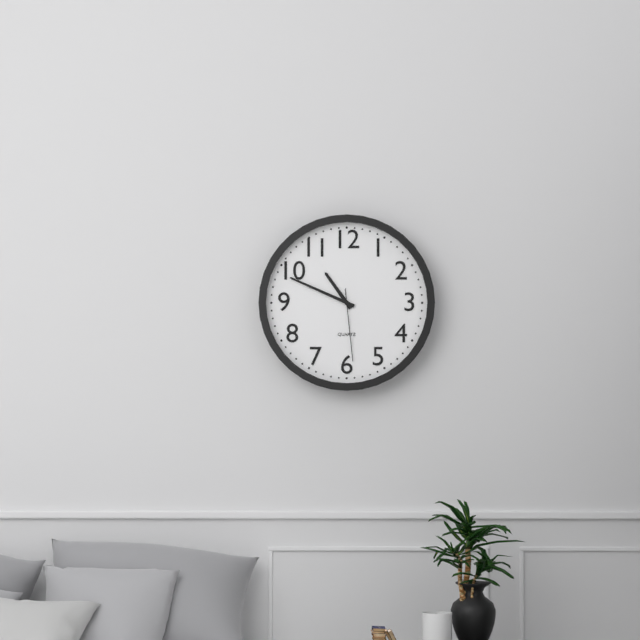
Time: h=10 m=49 s=29
